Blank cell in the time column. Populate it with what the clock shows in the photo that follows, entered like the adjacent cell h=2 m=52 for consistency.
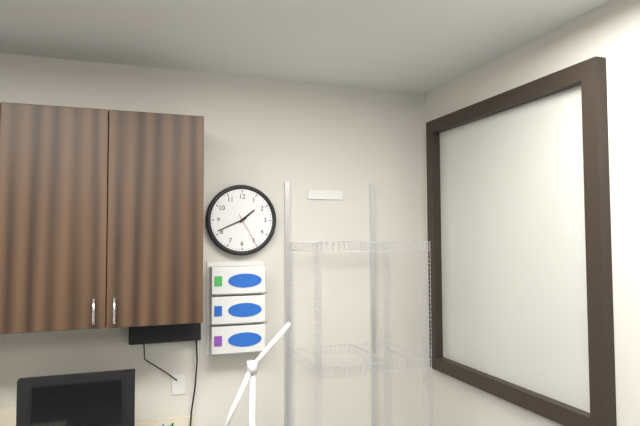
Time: h=1 m=41
